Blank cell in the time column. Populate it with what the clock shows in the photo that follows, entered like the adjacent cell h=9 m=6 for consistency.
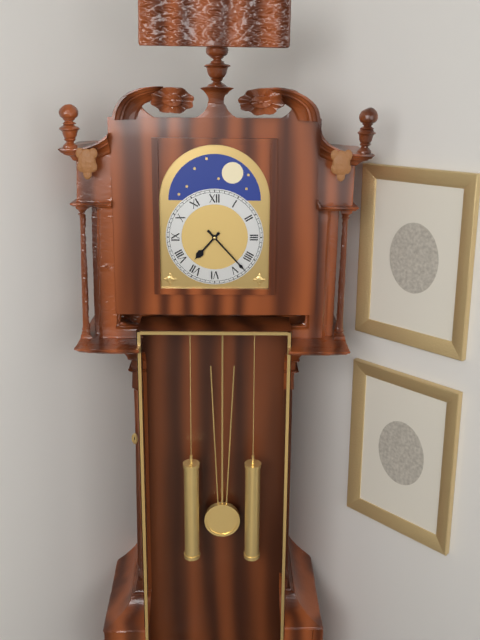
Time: h=7 m=23
